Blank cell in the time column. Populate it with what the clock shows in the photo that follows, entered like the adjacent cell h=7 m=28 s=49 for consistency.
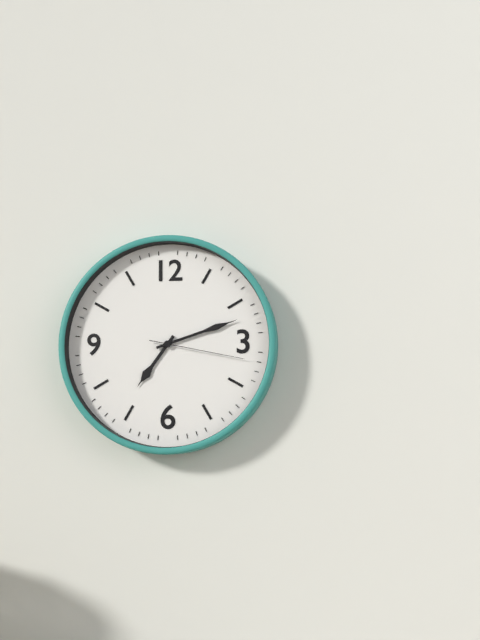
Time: h=7 m=12 s=17
